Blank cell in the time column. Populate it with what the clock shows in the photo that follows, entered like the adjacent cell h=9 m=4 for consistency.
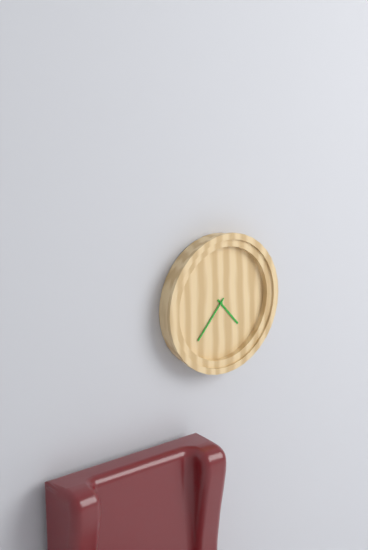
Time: h=4 m=37
